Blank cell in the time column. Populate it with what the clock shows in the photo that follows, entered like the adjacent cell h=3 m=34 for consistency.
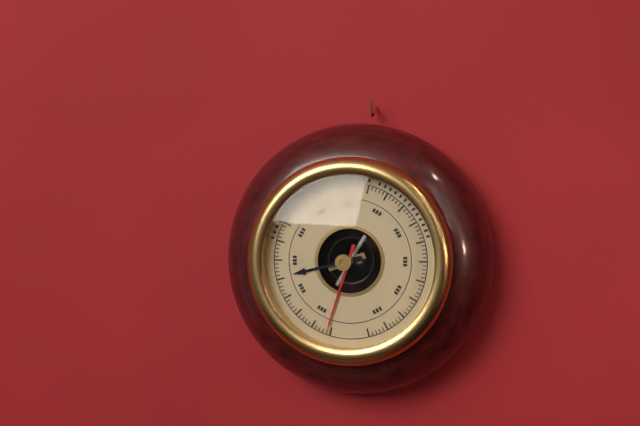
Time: h=8 m=33
